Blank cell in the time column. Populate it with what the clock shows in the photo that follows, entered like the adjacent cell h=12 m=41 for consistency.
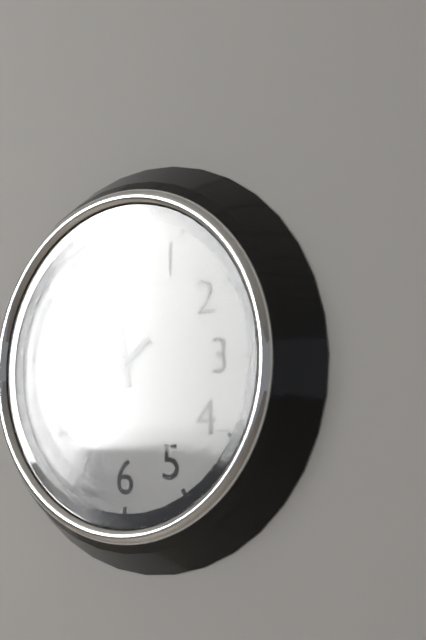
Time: h=11 m=39
